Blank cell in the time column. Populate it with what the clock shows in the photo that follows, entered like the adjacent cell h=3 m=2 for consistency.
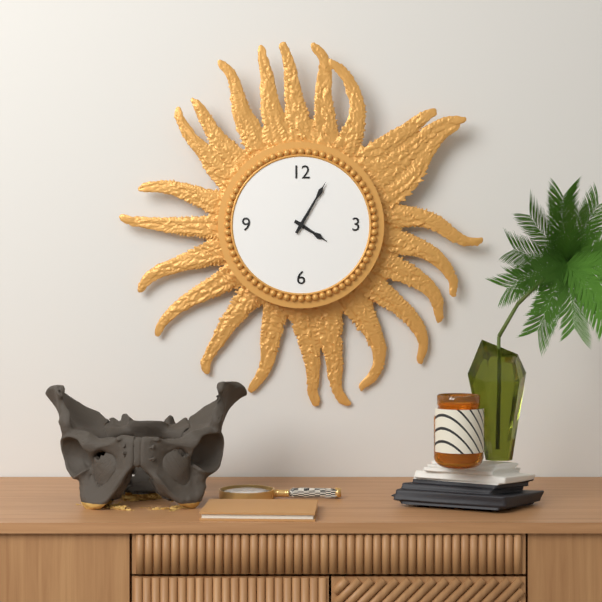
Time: h=4 m=5
